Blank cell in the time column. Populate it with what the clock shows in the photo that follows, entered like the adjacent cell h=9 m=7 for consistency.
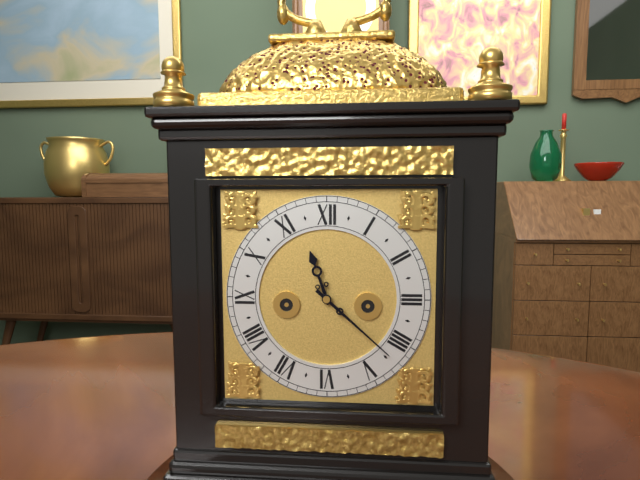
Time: h=11 m=22
